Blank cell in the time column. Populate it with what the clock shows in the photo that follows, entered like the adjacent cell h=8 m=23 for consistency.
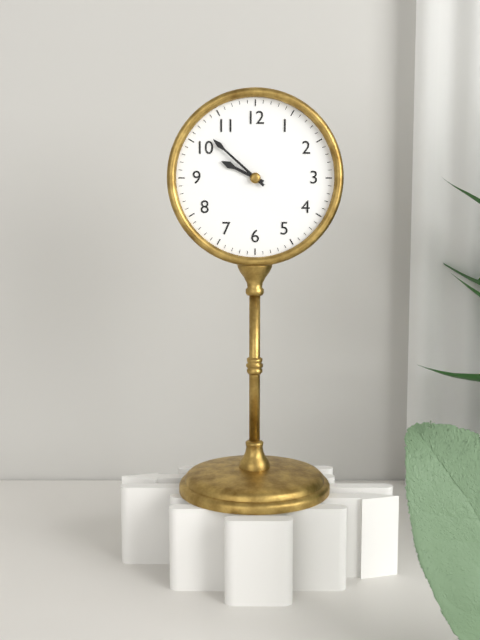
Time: h=9 m=52
